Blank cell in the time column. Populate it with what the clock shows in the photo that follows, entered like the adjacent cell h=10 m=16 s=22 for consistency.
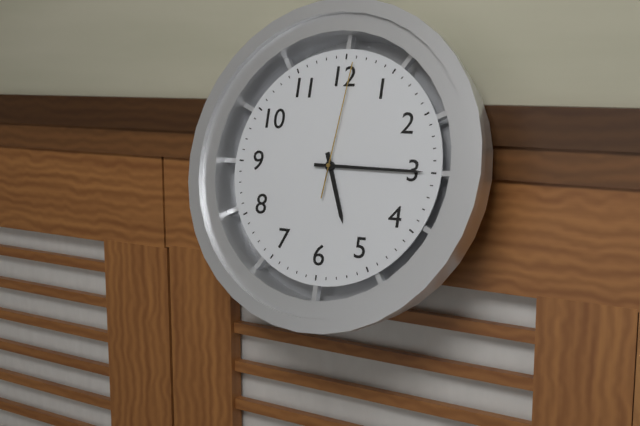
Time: h=5 m=15 s=1
